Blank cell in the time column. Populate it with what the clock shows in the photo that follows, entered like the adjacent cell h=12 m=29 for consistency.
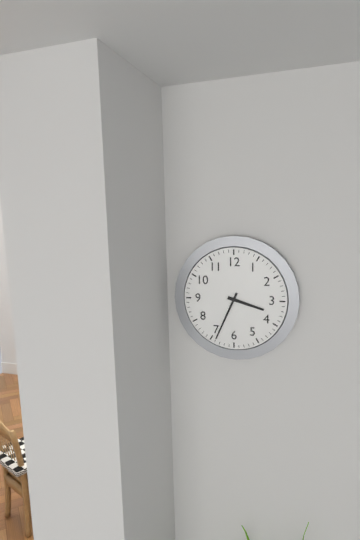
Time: h=3 m=34
